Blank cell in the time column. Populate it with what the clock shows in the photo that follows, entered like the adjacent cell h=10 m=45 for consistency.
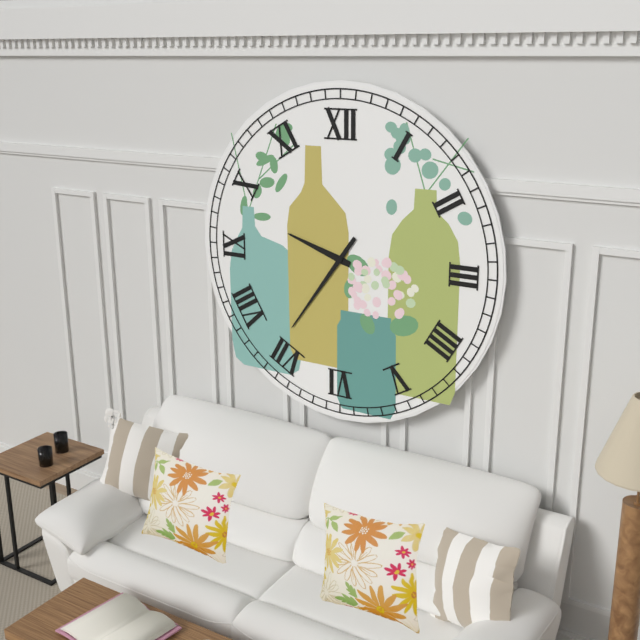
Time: h=9 m=36
